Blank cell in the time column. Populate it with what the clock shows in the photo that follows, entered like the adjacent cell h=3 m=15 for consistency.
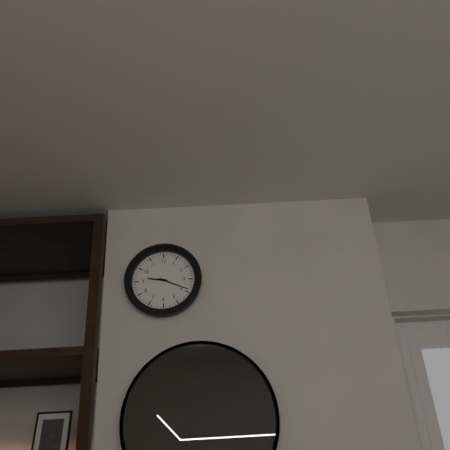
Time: h=9 m=19
